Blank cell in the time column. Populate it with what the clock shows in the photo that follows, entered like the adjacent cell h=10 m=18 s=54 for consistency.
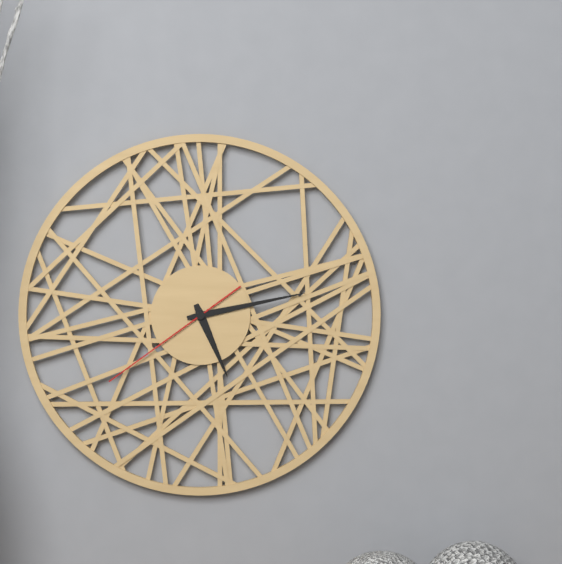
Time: h=5 m=13 s=39
